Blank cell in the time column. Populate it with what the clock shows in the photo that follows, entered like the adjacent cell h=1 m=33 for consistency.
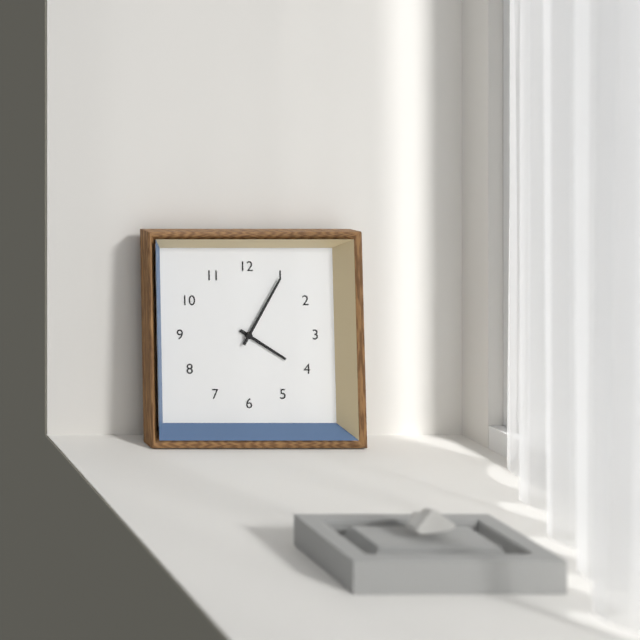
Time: h=4 m=5
